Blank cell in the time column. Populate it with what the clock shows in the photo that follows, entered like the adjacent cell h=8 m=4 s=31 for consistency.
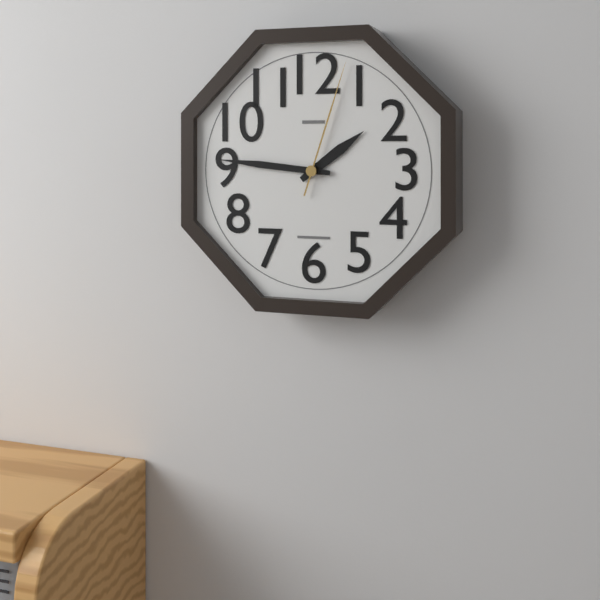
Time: h=1 m=46 s=3
